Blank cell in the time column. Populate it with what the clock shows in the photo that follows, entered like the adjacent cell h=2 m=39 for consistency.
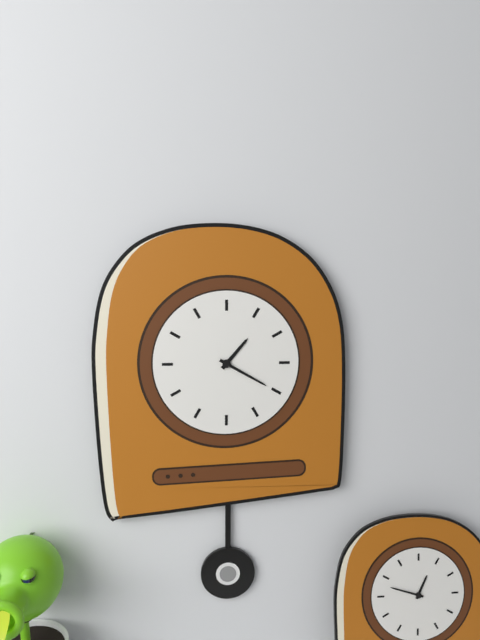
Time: h=1 m=20
